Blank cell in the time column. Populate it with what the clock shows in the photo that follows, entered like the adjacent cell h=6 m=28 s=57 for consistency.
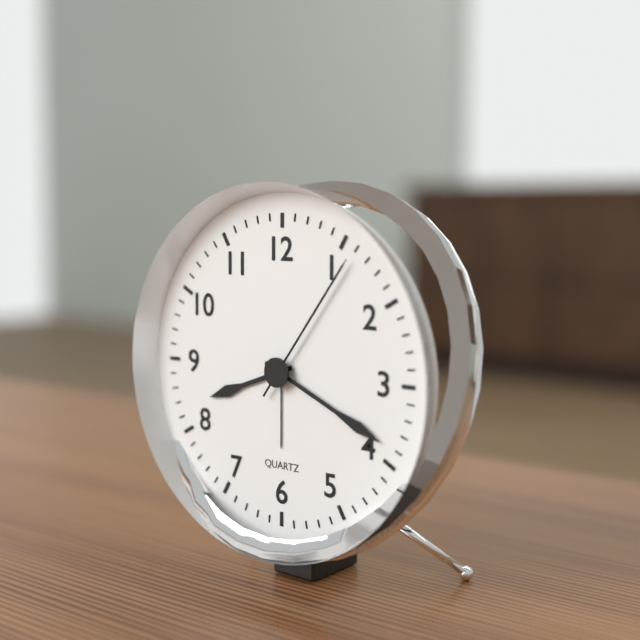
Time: h=8 m=19 s=6
